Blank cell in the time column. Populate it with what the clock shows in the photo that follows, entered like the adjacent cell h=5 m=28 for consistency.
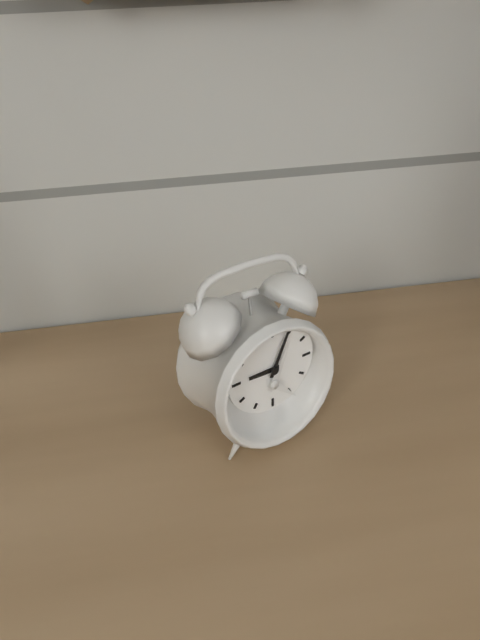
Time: h=9 m=4
